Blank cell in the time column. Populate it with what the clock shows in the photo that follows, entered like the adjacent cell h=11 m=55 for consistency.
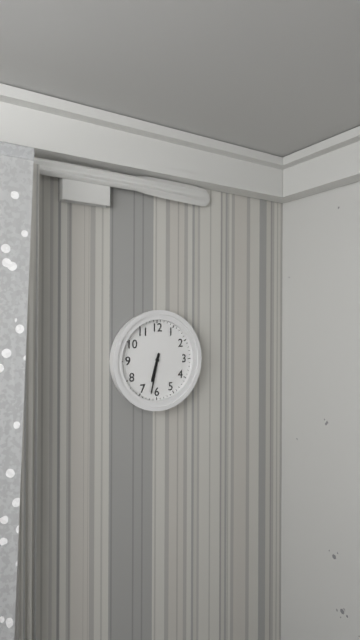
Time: h=6 m=32
